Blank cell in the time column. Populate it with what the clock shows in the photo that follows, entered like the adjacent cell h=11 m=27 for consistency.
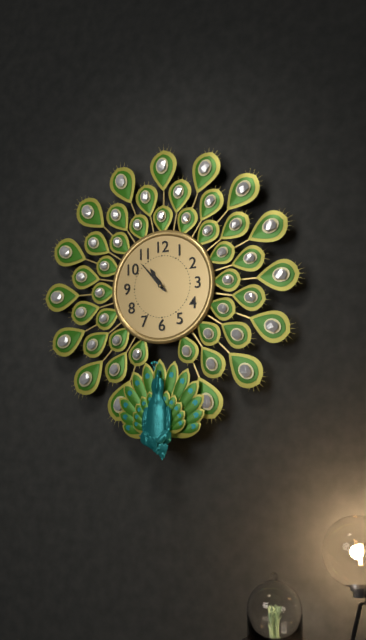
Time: h=10 m=53
